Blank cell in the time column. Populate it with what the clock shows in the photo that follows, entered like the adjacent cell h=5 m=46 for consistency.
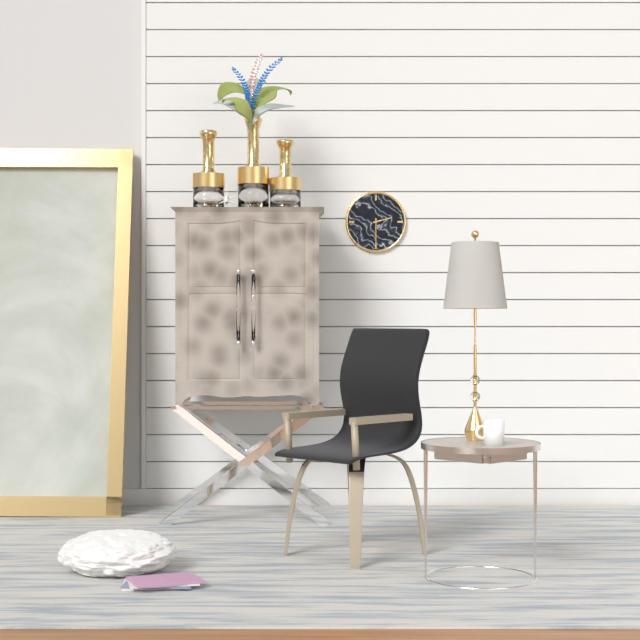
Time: h=2 m=30
